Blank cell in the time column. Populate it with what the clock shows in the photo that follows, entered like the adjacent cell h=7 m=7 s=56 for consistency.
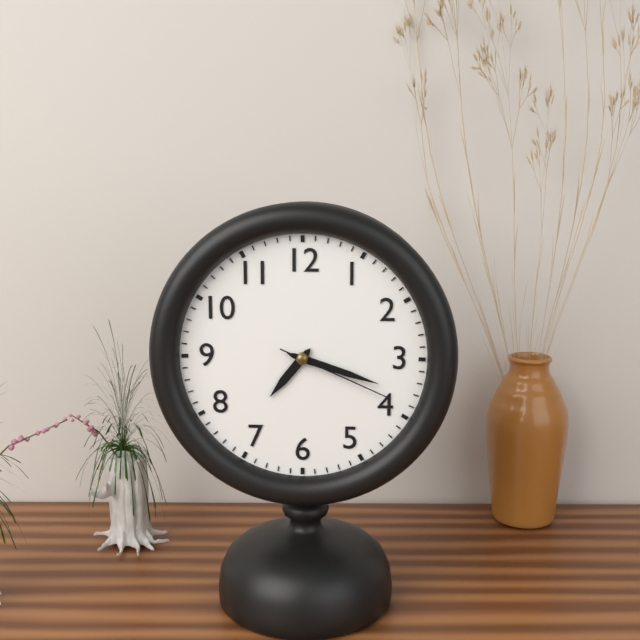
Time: h=7 m=18 s=19
